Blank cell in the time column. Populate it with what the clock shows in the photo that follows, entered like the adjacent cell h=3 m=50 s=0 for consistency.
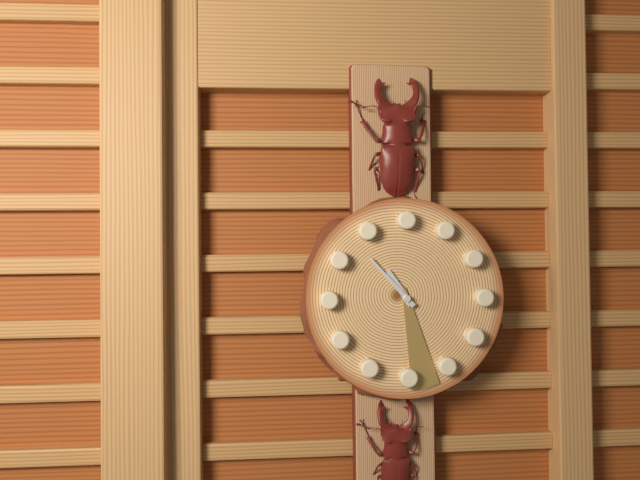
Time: h=10 m=53 s=28
